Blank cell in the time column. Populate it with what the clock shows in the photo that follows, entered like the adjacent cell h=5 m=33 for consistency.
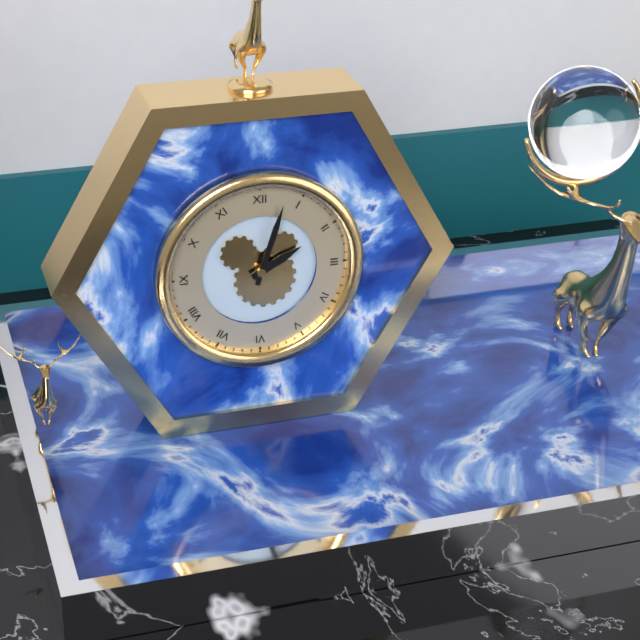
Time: h=2 m=3
